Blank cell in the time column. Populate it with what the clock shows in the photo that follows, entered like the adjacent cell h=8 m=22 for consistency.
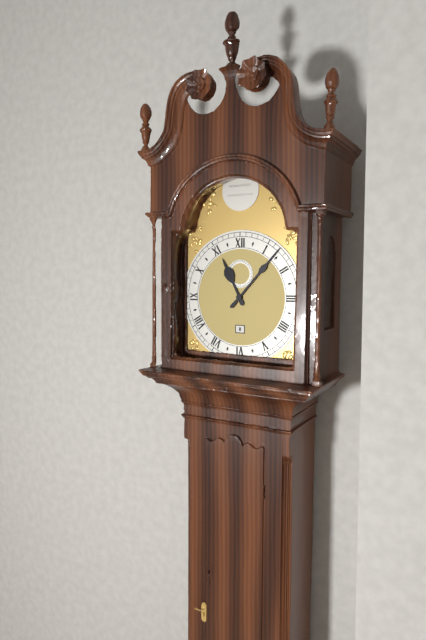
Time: h=11 m=7
